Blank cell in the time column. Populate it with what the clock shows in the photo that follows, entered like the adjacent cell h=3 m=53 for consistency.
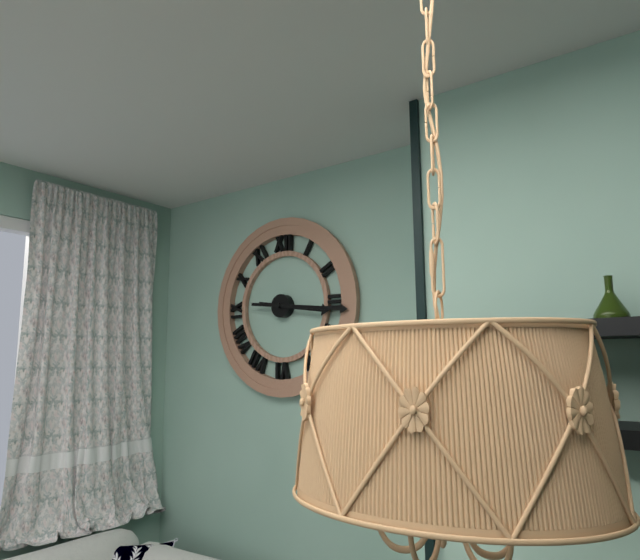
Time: h=3 m=16
